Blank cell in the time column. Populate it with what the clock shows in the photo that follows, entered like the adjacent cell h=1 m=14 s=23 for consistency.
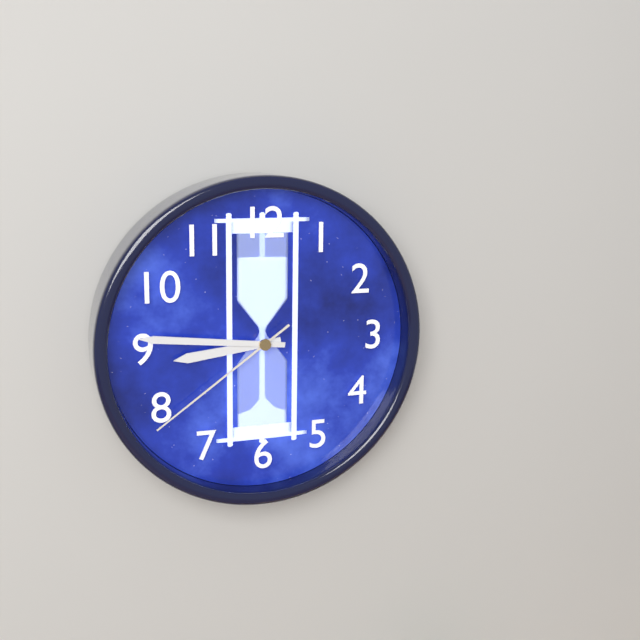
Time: h=8 m=46 s=39
